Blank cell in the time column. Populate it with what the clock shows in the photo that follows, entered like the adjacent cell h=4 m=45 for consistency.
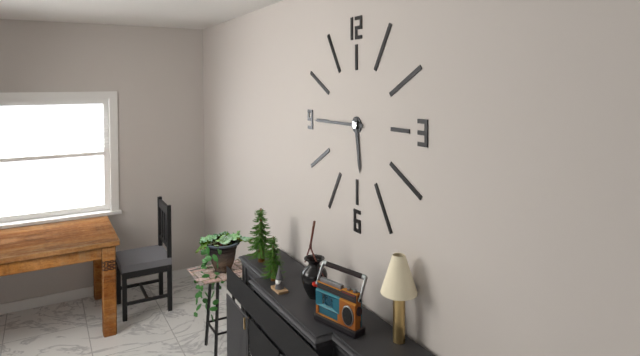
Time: h=5 m=45
